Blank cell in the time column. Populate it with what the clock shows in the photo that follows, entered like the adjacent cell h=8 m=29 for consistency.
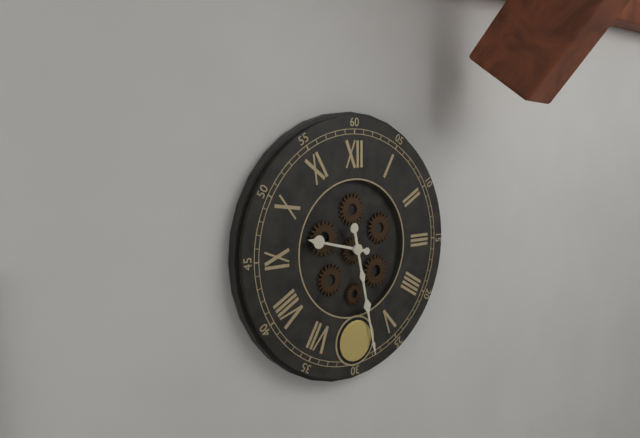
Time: h=9 m=28
